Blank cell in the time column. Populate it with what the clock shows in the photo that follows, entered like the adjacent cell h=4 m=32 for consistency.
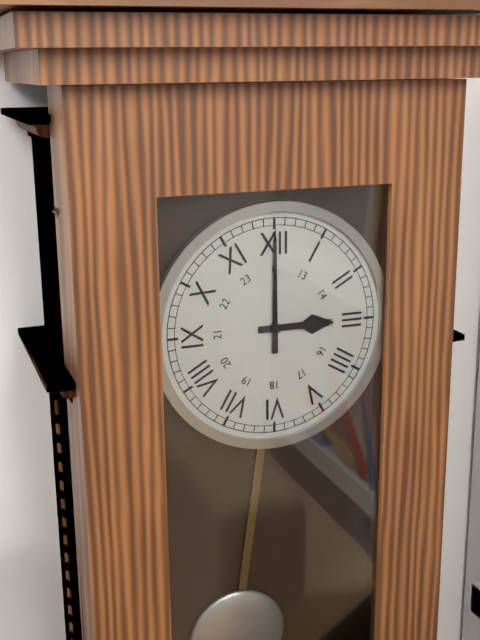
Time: h=3 m=0
